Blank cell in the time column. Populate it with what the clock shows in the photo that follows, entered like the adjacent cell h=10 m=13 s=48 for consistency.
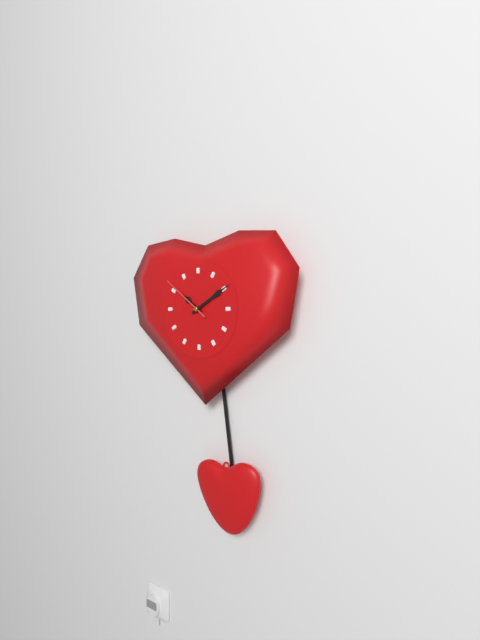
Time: h=10 m=10 s=51
